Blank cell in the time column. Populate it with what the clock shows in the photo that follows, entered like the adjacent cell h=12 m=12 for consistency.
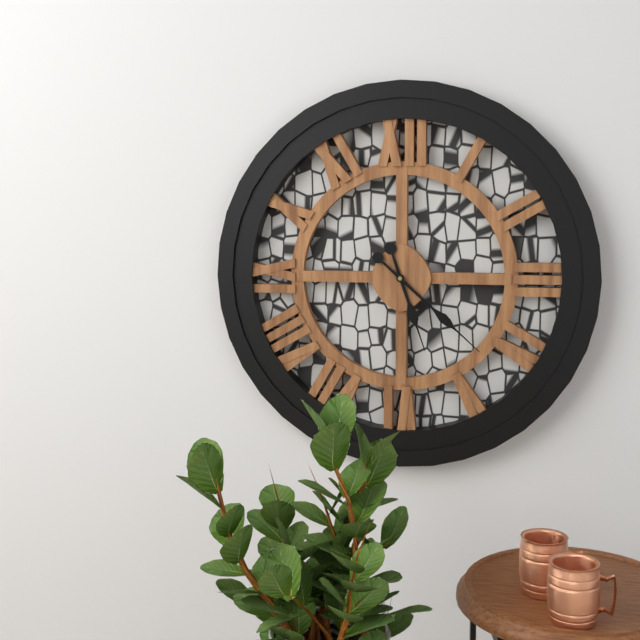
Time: h=5 m=22
